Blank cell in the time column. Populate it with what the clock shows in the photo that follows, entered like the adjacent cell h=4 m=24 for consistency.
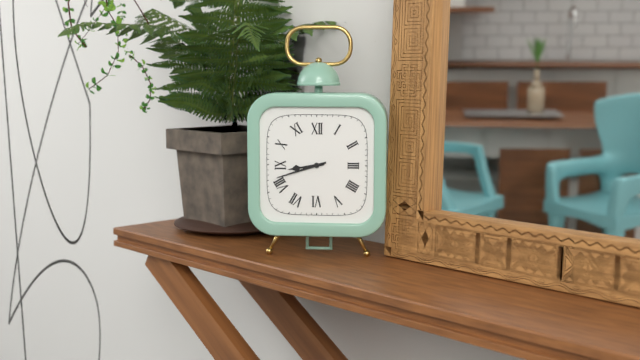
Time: h=8 m=42
